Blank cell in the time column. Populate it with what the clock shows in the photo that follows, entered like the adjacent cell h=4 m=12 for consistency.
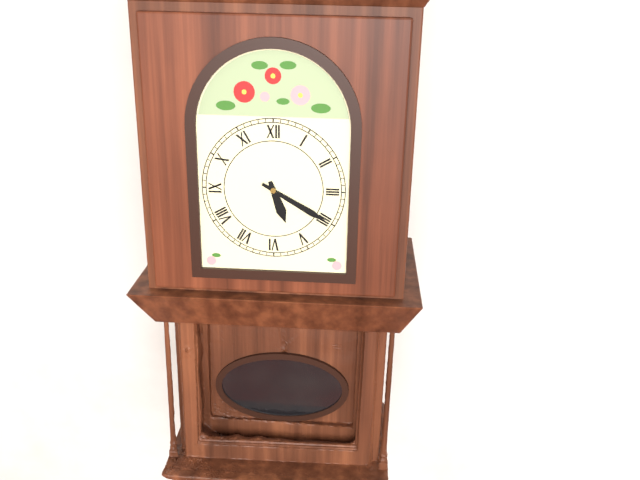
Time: h=5 m=20
